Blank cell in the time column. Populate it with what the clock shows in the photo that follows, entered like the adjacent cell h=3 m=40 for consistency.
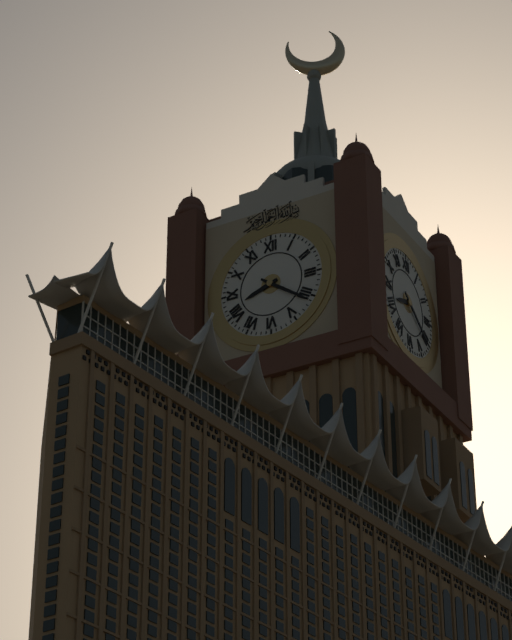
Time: h=8 m=21
